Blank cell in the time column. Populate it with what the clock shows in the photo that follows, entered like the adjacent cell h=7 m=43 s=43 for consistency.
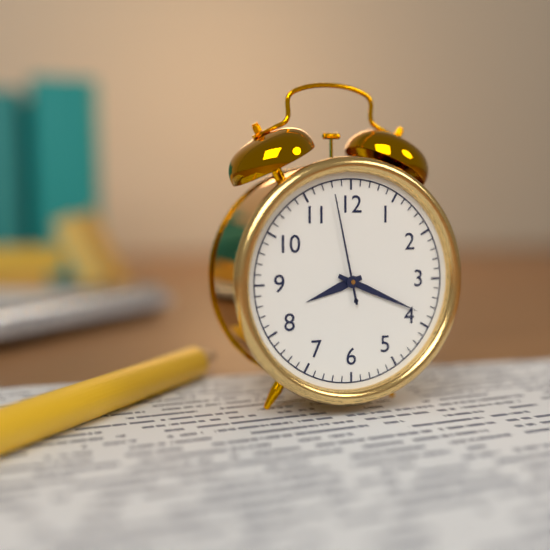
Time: h=8 m=19 s=58
